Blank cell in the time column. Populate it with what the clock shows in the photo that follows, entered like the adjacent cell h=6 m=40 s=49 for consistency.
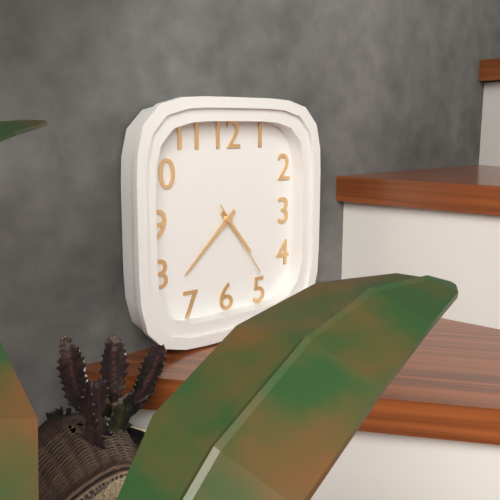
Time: h=4 m=38 s=24
